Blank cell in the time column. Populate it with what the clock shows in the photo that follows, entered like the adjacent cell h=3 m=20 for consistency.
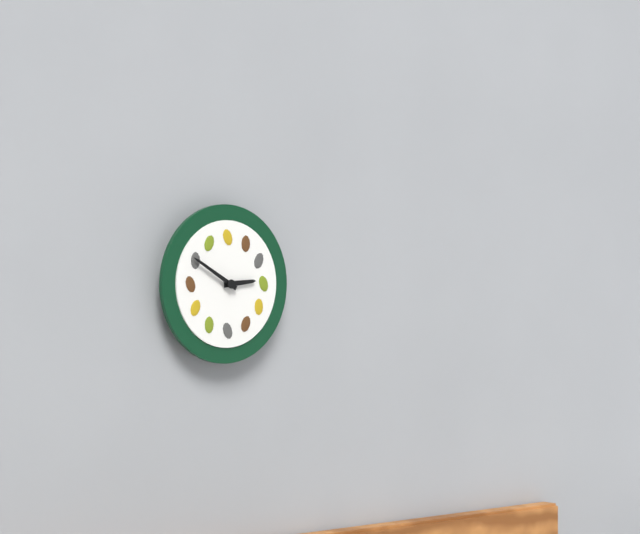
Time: h=2 m=50
